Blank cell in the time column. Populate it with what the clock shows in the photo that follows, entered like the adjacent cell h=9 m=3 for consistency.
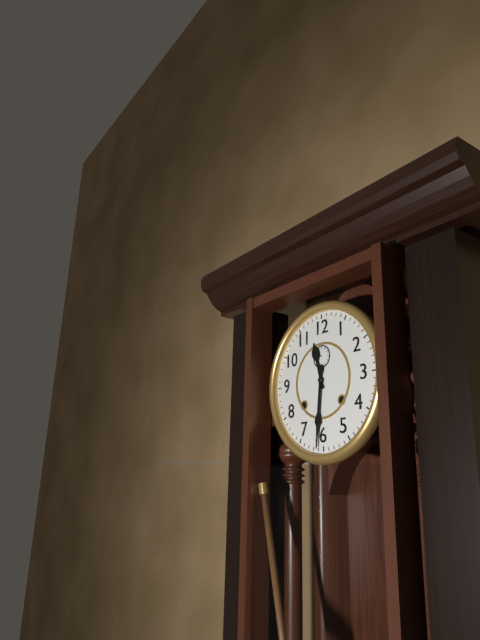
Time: h=11 m=31
